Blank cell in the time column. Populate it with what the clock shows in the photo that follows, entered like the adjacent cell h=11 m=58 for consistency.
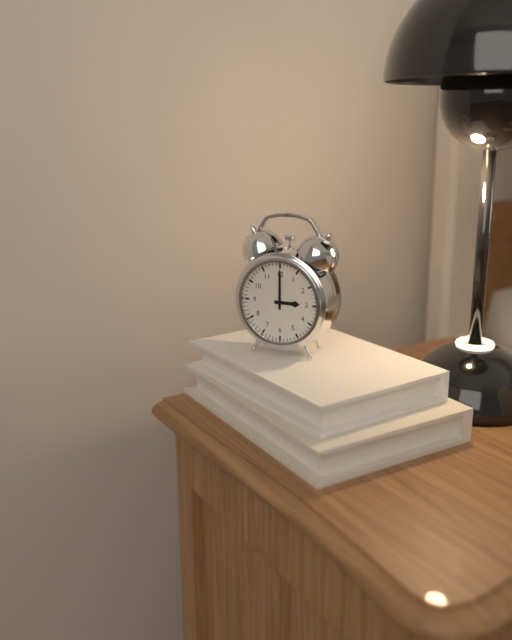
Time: h=3 m=0
